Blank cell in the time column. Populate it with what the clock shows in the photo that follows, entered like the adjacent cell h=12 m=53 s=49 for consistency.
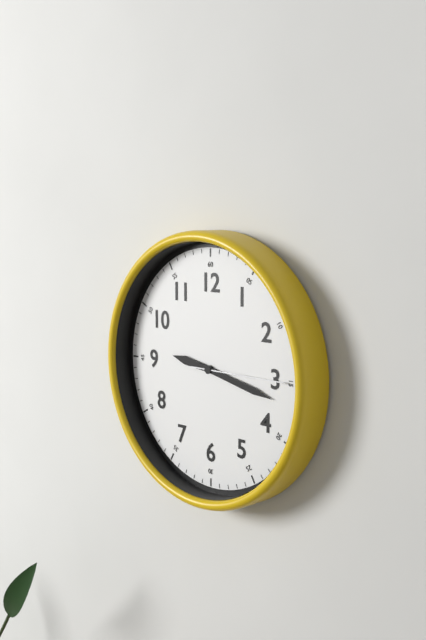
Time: h=9 m=17 s=15
